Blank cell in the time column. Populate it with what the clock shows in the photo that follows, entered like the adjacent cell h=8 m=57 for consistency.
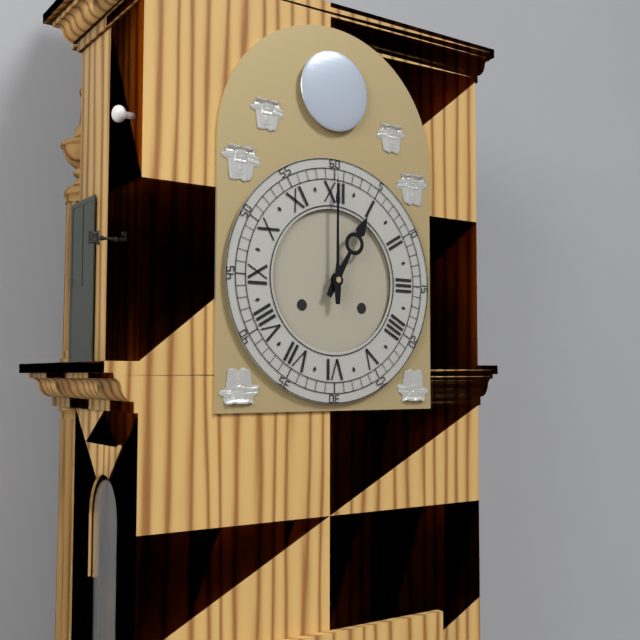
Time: h=1 m=0
